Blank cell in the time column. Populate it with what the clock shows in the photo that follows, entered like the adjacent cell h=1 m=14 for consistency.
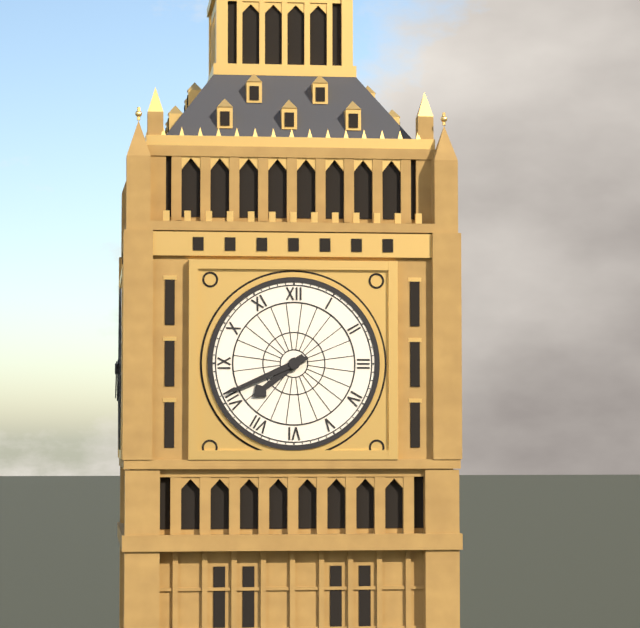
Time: h=7 m=41
